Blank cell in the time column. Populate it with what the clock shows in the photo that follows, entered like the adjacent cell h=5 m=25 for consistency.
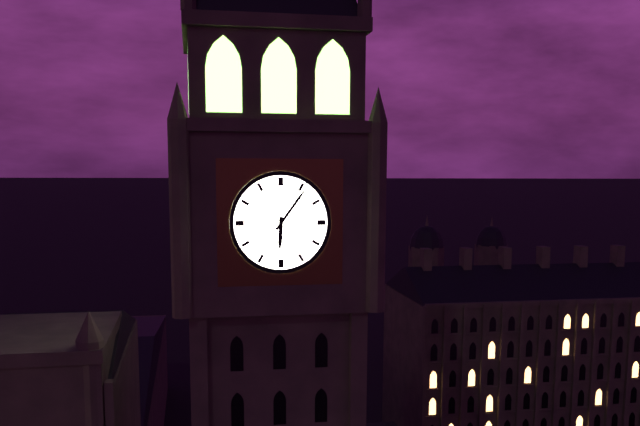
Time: h=6 m=6
